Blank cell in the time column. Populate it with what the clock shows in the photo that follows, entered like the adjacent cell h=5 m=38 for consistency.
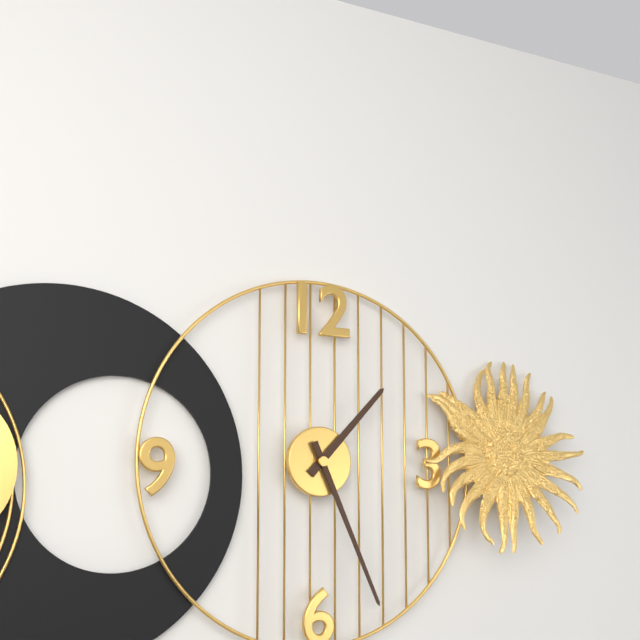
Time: h=1 m=26
